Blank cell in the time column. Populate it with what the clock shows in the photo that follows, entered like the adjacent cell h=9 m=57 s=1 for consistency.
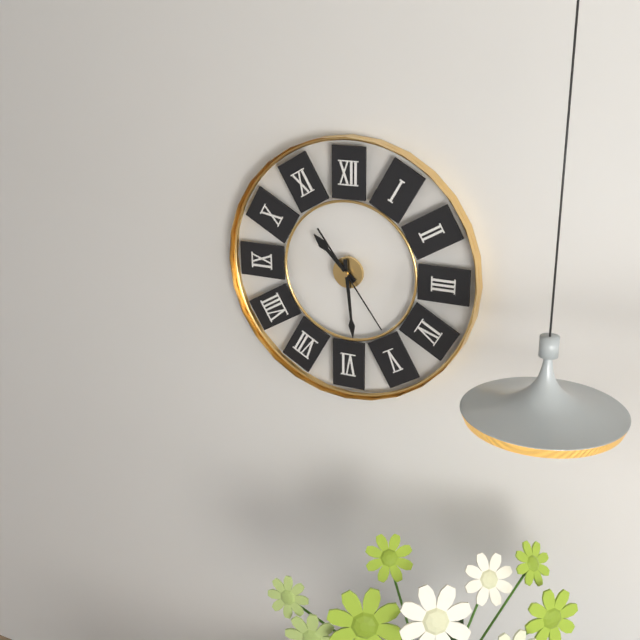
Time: h=10 m=29 s=24
